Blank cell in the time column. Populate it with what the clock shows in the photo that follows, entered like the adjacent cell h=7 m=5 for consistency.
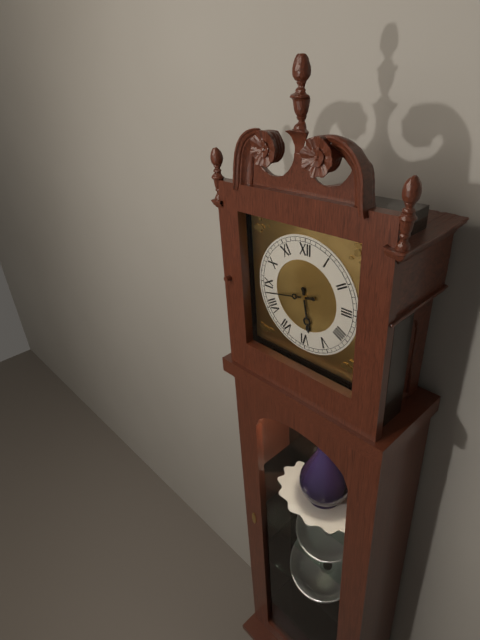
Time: h=5 m=43
